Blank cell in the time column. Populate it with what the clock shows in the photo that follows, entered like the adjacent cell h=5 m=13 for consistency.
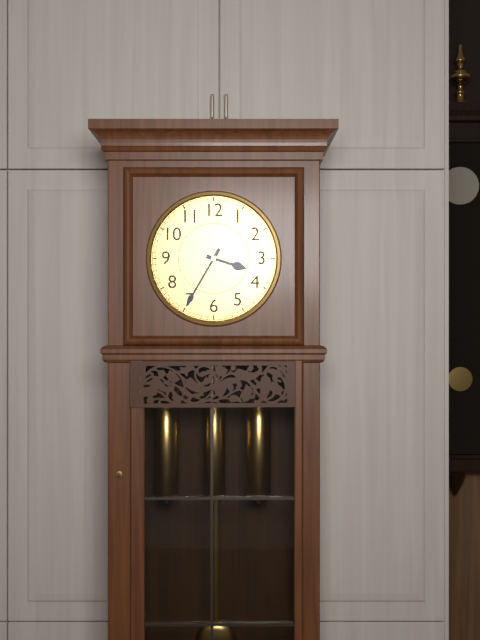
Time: h=3 m=35
